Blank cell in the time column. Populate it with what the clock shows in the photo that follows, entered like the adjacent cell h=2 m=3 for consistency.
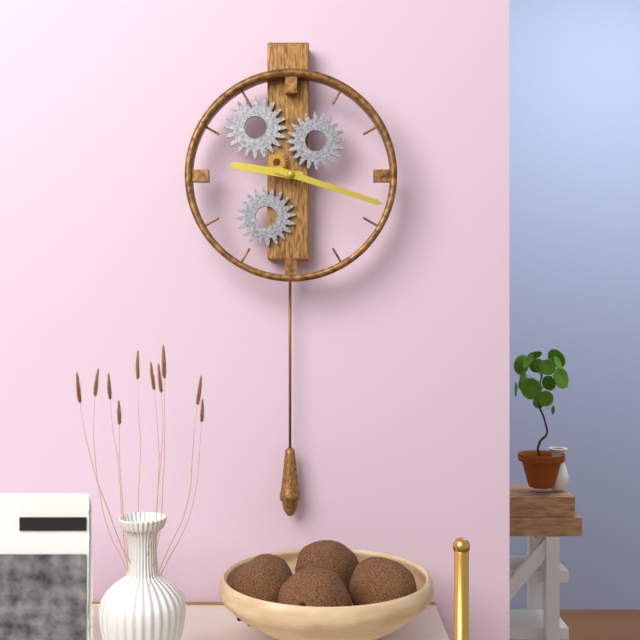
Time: h=9 m=18
